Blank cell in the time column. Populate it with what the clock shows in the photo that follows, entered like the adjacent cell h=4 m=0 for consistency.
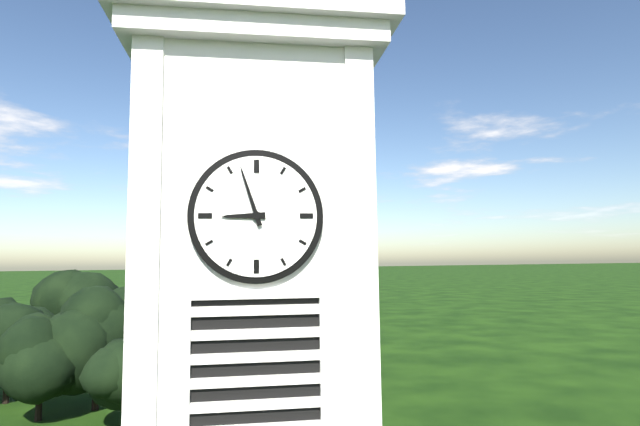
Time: h=8 m=57
